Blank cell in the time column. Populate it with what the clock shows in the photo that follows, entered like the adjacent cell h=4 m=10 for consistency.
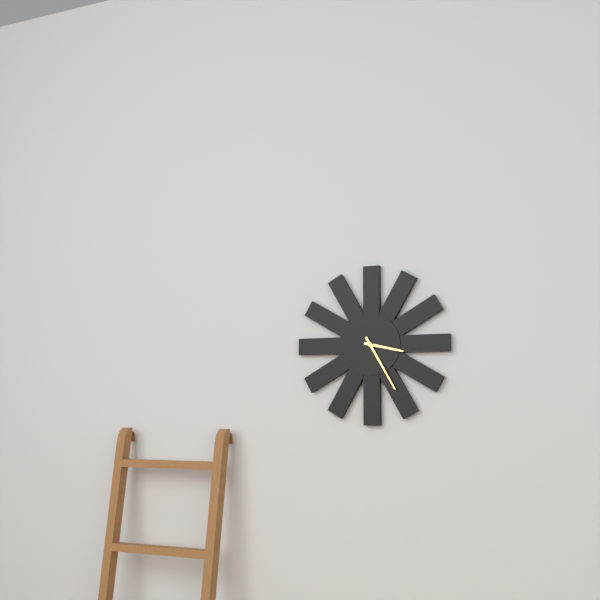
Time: h=3 m=25
